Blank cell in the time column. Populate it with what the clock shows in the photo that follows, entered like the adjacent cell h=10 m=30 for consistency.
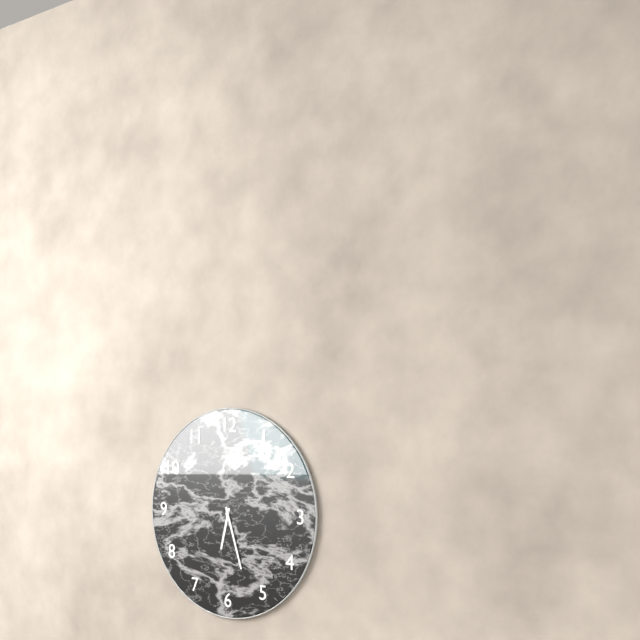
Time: h=6 m=27
